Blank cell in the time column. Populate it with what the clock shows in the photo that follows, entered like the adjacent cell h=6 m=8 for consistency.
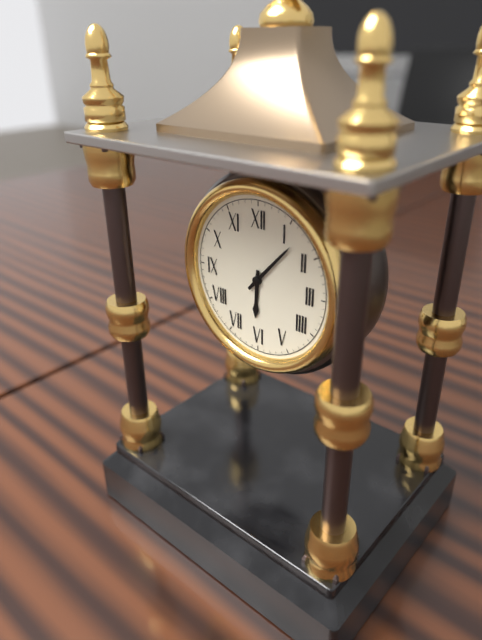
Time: h=6 m=7
